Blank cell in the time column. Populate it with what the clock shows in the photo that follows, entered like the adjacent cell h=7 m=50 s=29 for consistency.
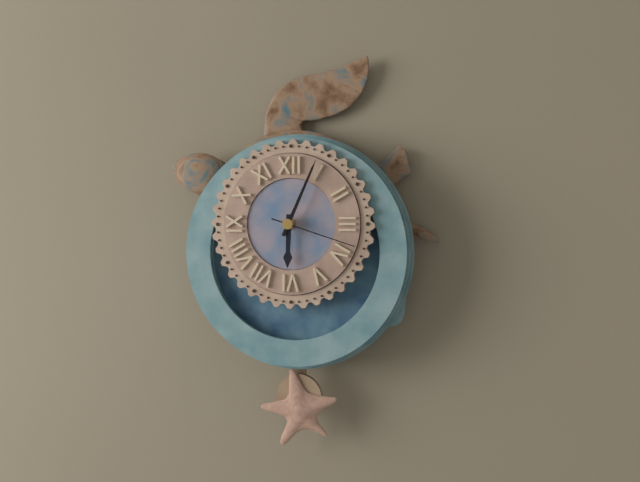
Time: h=6 m=4 s=18
